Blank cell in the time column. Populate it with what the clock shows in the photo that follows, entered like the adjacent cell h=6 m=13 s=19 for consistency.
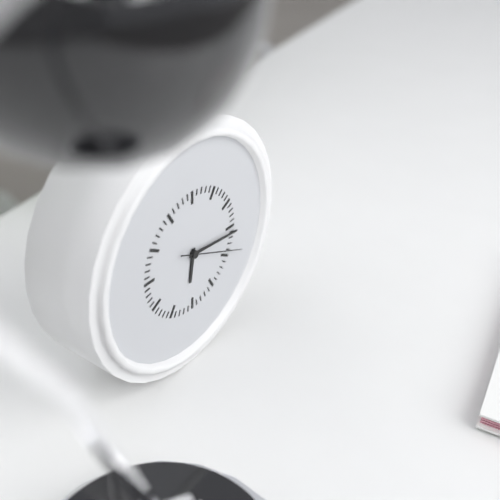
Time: h=6 m=16 s=19
